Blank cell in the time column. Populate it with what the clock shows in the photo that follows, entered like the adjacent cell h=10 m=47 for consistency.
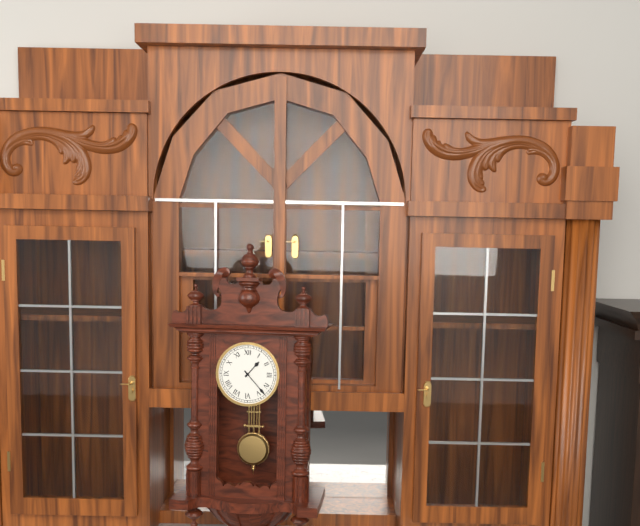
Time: h=1 m=23
